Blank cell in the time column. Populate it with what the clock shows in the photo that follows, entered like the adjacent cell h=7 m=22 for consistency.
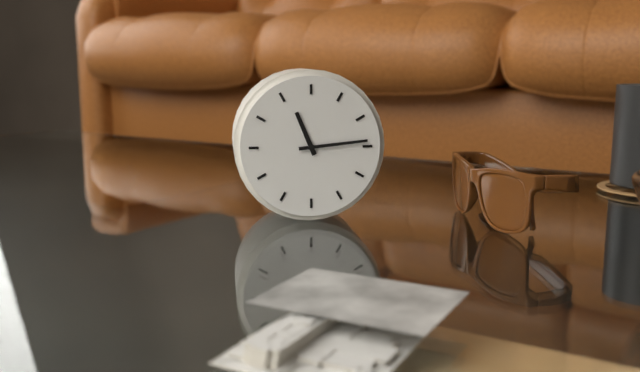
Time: h=11 m=14
